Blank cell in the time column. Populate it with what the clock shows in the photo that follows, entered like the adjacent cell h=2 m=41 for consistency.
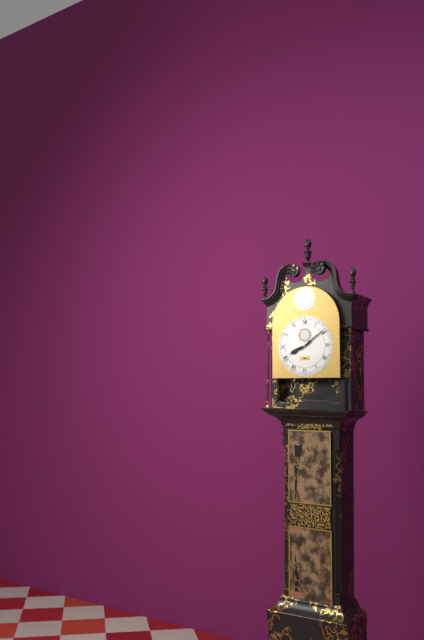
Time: h=8 m=9
